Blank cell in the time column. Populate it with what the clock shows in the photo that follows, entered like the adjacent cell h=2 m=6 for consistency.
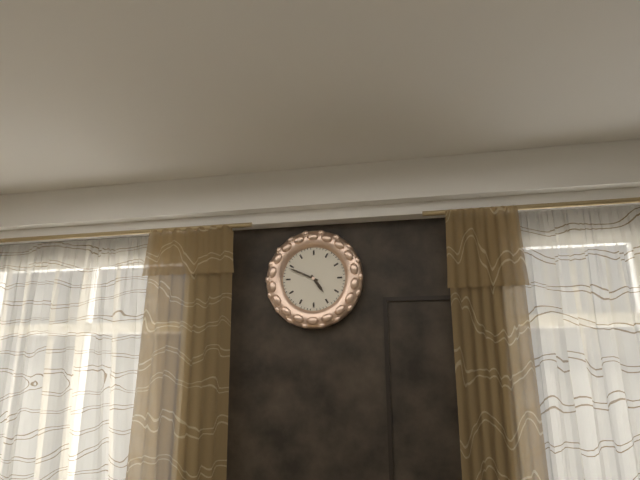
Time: h=4 m=49
